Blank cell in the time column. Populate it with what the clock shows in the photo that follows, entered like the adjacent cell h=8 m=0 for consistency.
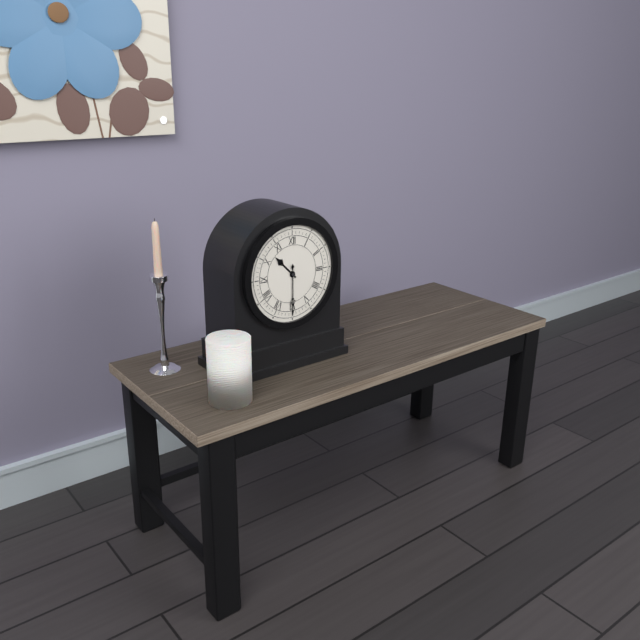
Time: h=10 m=30
